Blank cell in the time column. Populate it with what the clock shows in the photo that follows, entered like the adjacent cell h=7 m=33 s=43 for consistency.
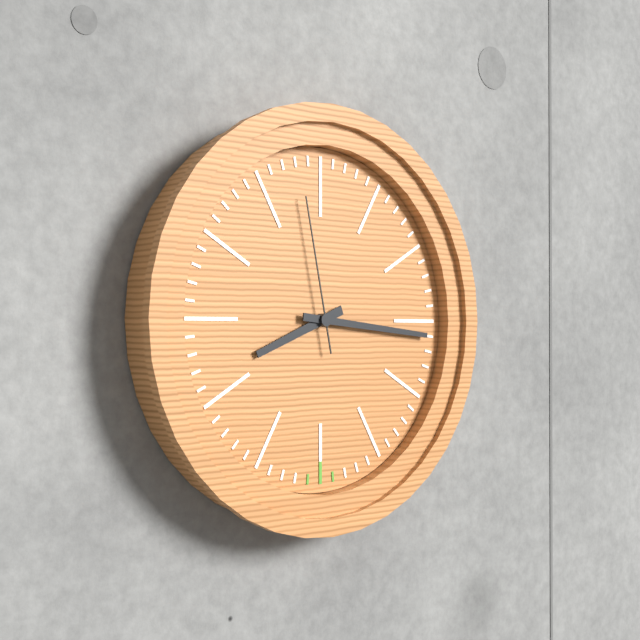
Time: h=8 m=16 s=58
